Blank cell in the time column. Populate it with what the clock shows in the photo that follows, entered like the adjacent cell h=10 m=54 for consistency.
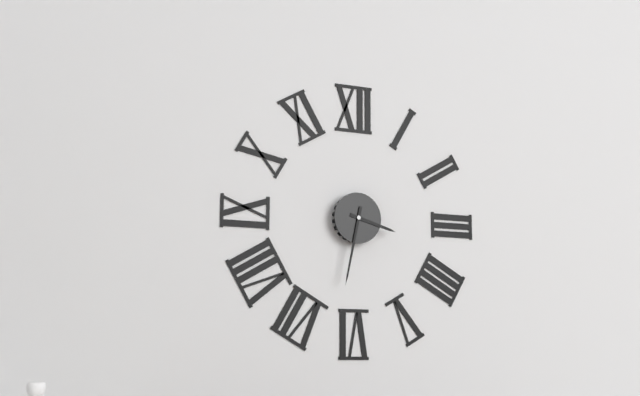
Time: h=3 m=32
